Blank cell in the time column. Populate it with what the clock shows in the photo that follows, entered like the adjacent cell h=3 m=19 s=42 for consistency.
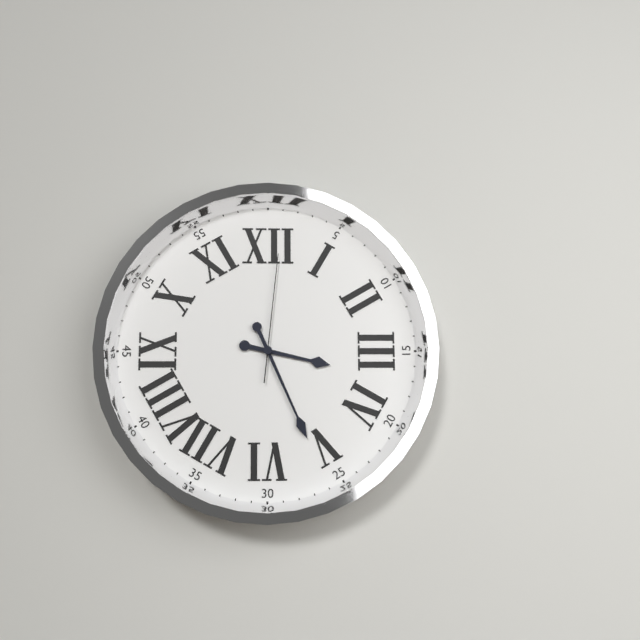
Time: h=3 m=26 s=1
